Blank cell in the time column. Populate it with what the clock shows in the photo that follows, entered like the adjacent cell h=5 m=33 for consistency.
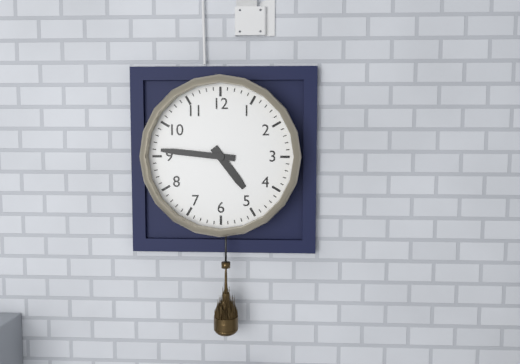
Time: h=4 m=46
